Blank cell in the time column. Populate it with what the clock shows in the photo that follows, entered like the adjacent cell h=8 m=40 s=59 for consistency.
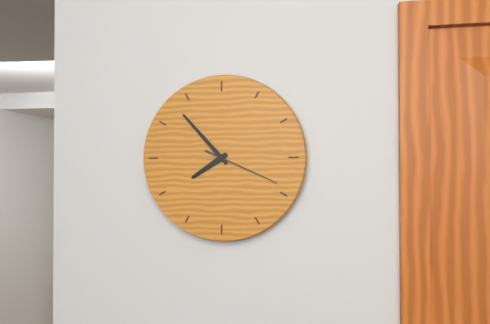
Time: h=7 m=53 s=19
